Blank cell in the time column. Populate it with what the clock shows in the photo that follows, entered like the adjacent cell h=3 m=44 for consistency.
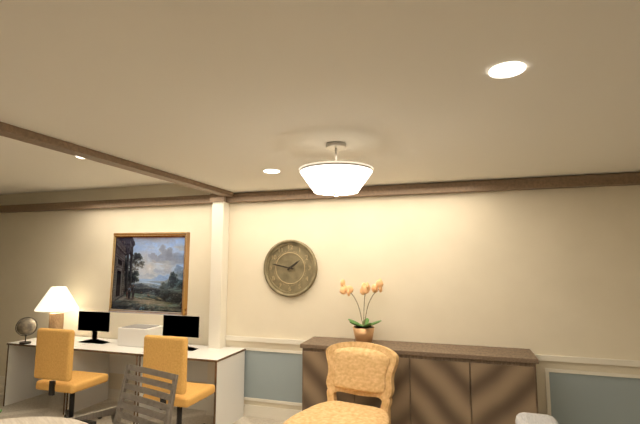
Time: h=1 m=47
